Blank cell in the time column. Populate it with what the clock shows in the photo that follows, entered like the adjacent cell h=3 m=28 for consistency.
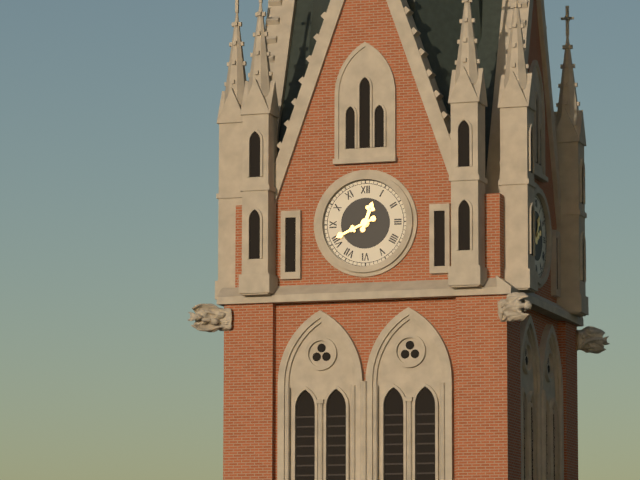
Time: h=12 m=41
